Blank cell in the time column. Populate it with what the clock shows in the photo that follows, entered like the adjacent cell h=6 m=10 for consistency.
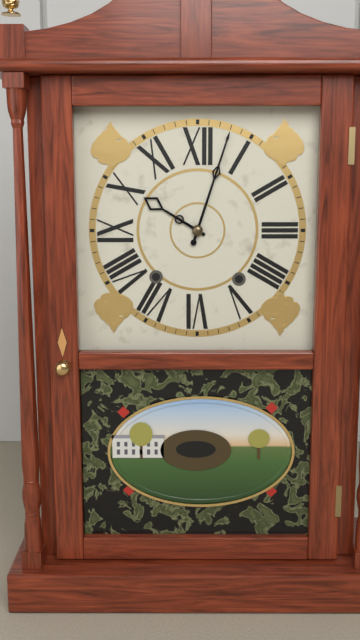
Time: h=10 m=3
